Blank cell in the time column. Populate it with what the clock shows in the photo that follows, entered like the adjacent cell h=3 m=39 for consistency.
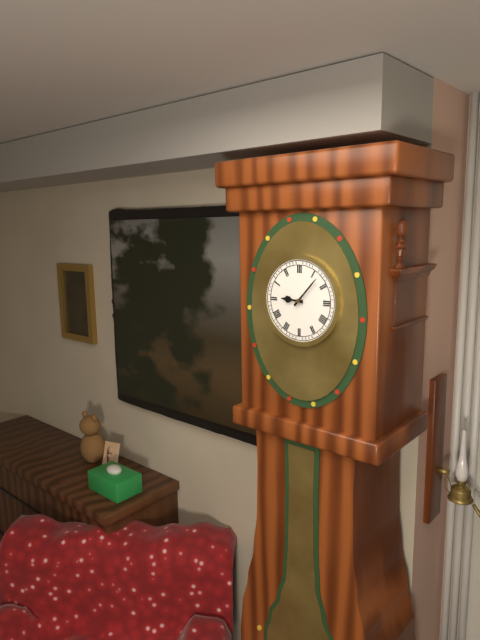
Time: h=9 m=7
